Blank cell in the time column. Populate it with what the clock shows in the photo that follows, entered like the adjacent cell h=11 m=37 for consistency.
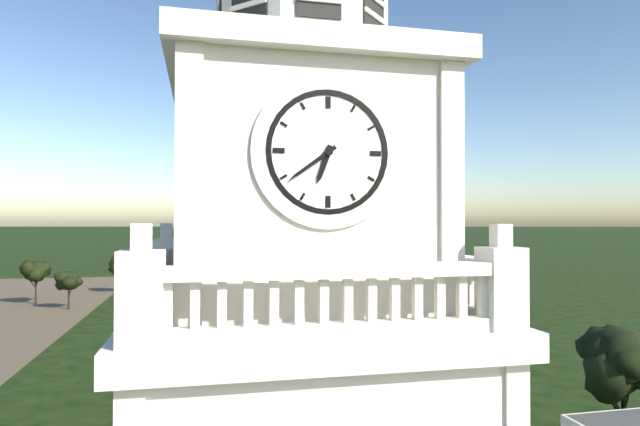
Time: h=6 m=39
